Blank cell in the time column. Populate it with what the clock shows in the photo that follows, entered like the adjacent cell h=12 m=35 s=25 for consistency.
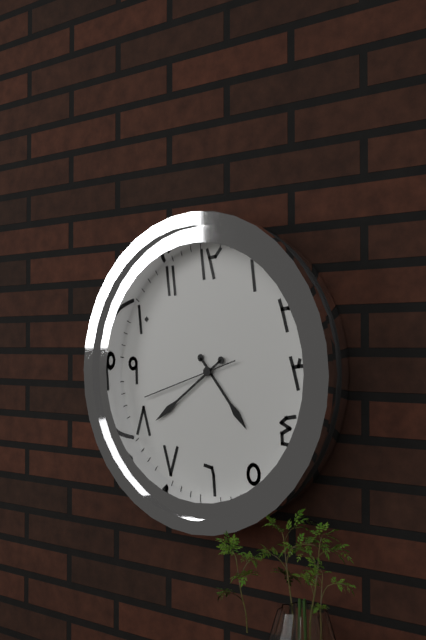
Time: h=4 m=39 s=42
